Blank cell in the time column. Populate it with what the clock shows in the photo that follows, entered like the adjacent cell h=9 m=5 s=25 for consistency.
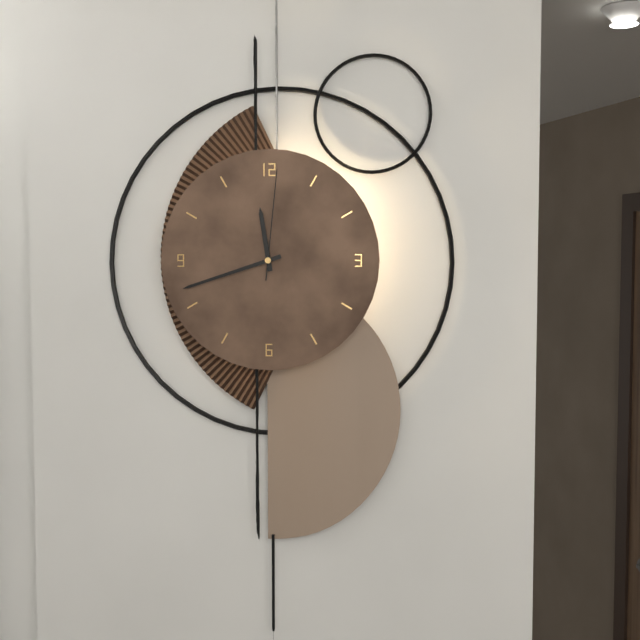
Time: h=11 m=42 s=1
